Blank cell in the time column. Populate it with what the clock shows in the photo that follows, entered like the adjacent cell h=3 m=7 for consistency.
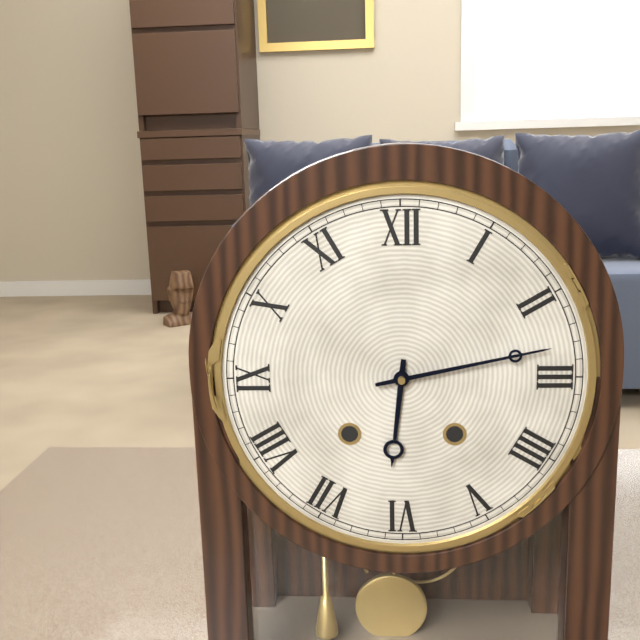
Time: h=6 m=13
